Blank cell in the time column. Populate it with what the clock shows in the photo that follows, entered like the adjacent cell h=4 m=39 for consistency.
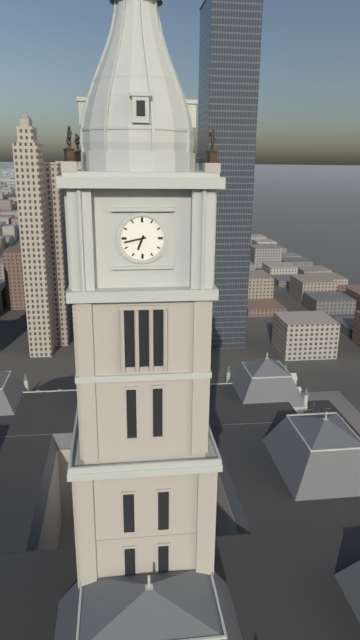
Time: h=6 m=43
